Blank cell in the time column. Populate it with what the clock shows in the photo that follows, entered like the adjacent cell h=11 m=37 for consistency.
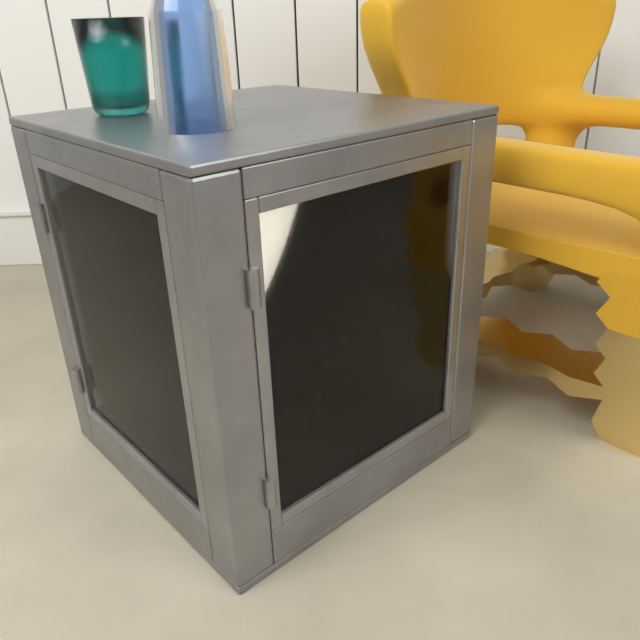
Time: h=10 m=55
